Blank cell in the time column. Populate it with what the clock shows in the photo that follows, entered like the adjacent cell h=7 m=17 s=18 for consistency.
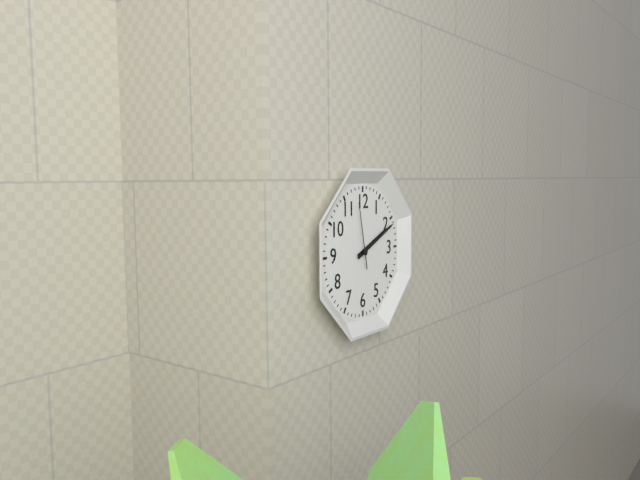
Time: h=2 m=11 s=58
